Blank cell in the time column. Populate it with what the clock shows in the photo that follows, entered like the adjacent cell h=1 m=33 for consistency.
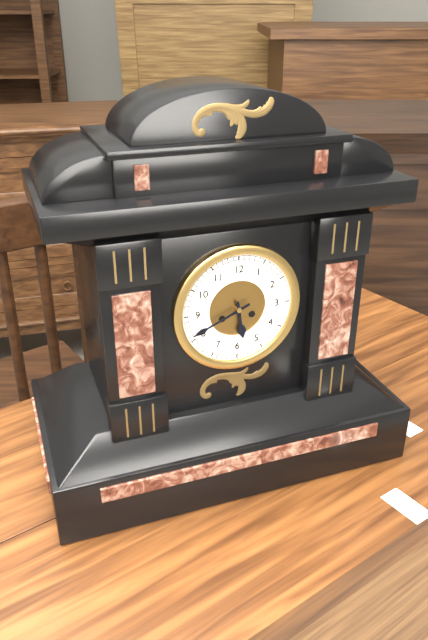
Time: h=5 m=41
